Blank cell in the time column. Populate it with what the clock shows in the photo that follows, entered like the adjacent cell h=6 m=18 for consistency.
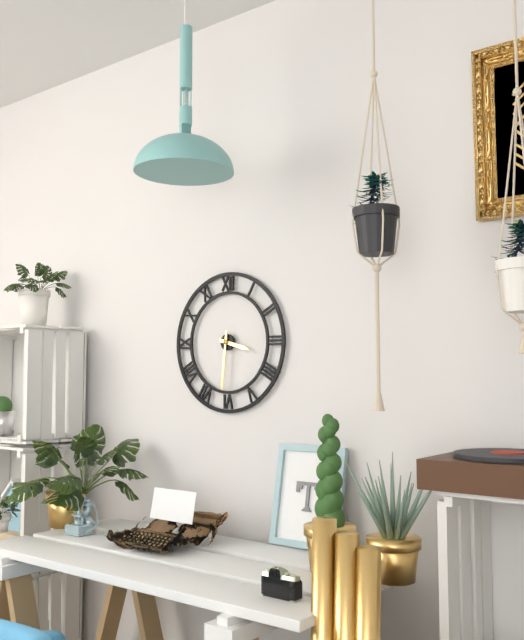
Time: h=3 m=31
